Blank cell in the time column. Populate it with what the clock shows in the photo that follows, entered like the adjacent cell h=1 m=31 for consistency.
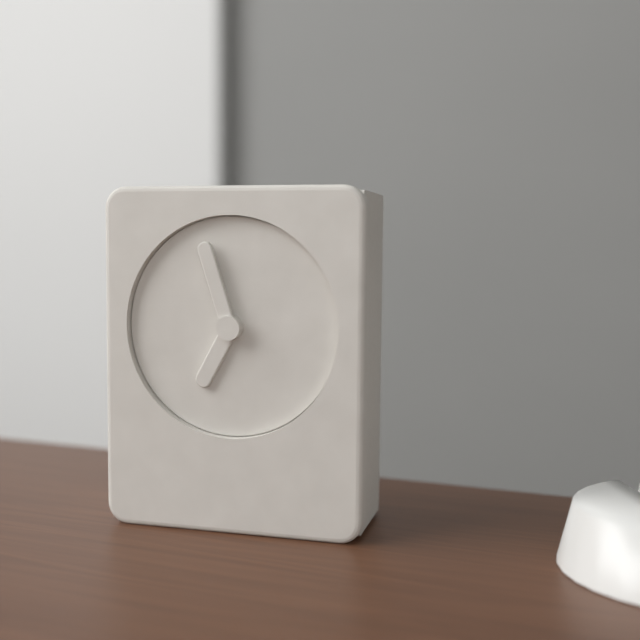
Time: h=6 m=57
